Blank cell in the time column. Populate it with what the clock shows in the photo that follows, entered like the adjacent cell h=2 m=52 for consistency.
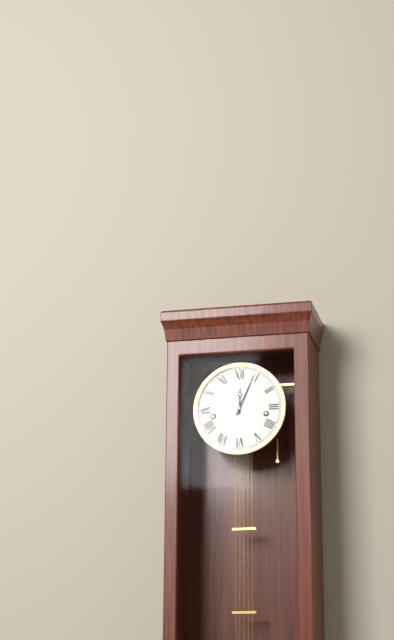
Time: h=12 m=4
